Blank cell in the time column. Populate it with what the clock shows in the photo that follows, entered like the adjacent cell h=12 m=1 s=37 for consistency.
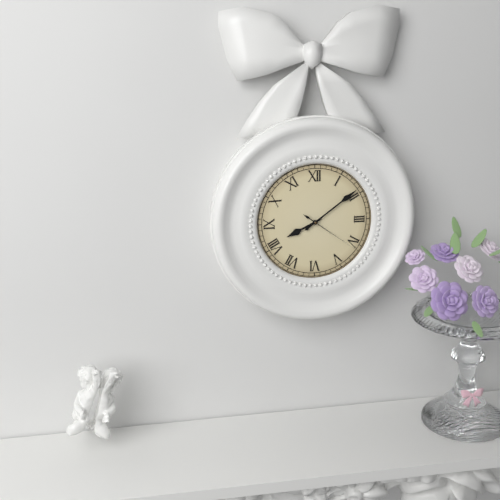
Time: h=8 m=9 s=21
